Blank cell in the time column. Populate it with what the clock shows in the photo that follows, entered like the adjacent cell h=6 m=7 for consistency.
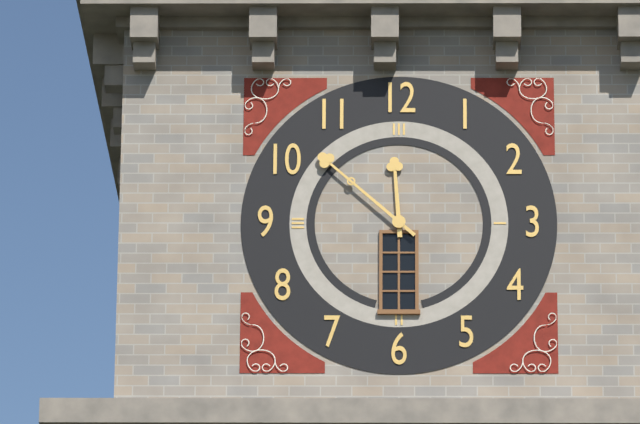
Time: h=11 m=52
